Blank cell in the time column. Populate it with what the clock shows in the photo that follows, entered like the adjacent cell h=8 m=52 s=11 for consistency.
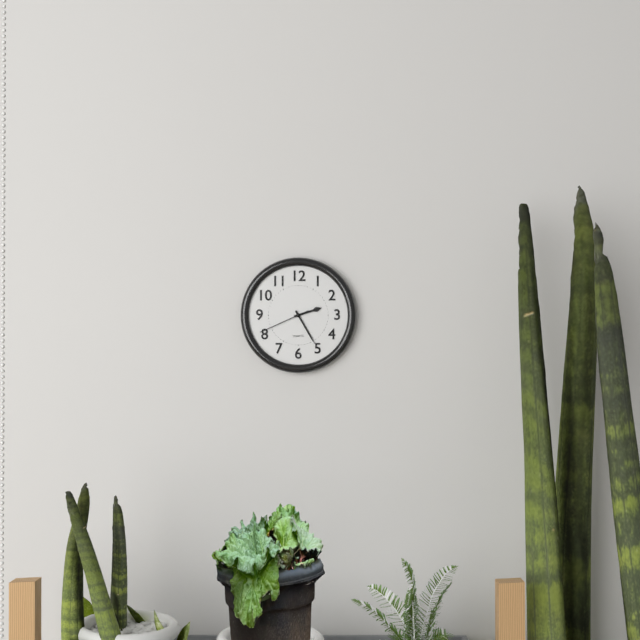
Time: h=2 m=25 s=41
